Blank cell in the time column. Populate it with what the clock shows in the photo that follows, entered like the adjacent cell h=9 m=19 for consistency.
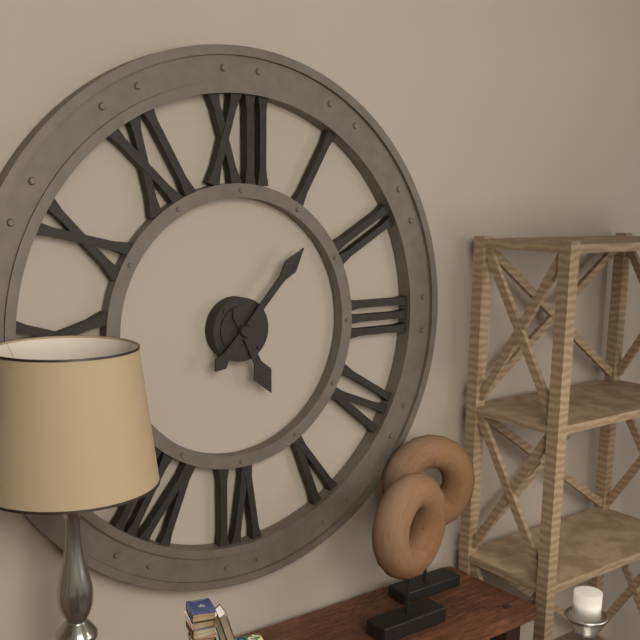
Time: h=5 m=7
